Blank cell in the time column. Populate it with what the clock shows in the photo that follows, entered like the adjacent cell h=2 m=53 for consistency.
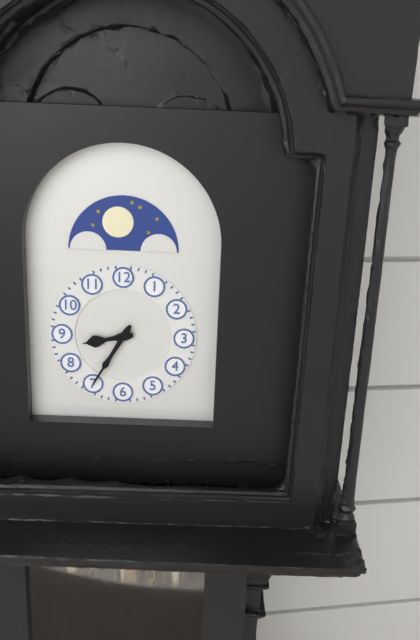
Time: h=8 m=35
